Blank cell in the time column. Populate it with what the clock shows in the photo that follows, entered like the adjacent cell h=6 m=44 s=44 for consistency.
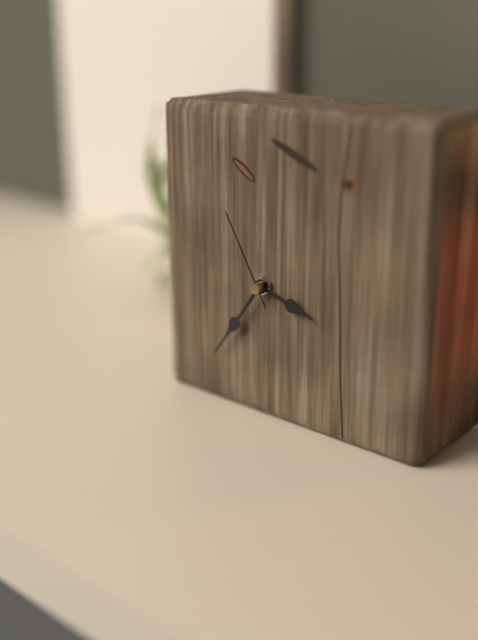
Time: h=3 m=36 s=55
